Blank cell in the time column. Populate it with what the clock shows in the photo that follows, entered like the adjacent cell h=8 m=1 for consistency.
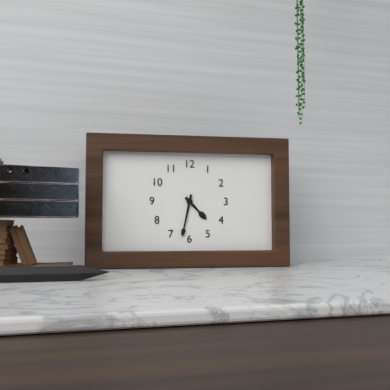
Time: h=4 m=32
